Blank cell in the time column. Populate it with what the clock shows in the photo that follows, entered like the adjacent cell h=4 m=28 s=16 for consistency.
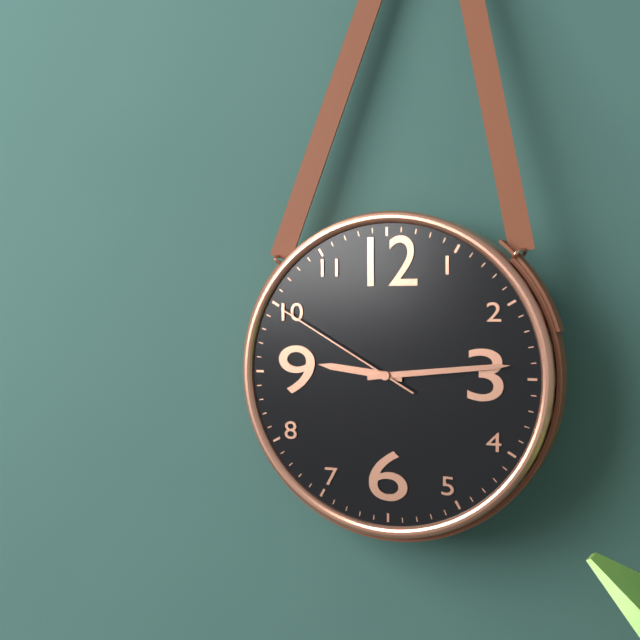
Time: h=9 m=14 s=50
